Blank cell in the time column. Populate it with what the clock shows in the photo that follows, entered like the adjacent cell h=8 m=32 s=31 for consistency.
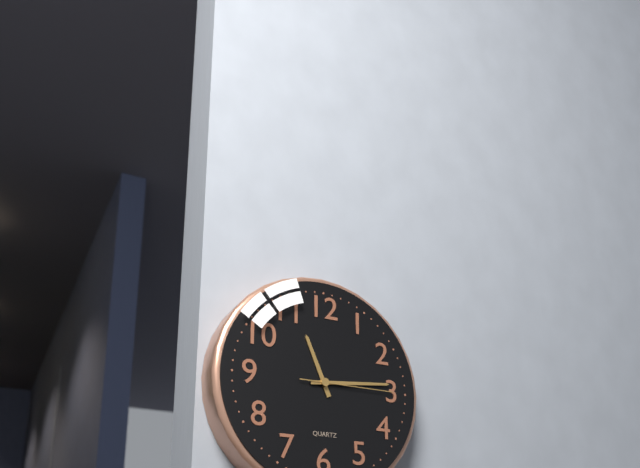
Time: h=11 m=14 s=15
